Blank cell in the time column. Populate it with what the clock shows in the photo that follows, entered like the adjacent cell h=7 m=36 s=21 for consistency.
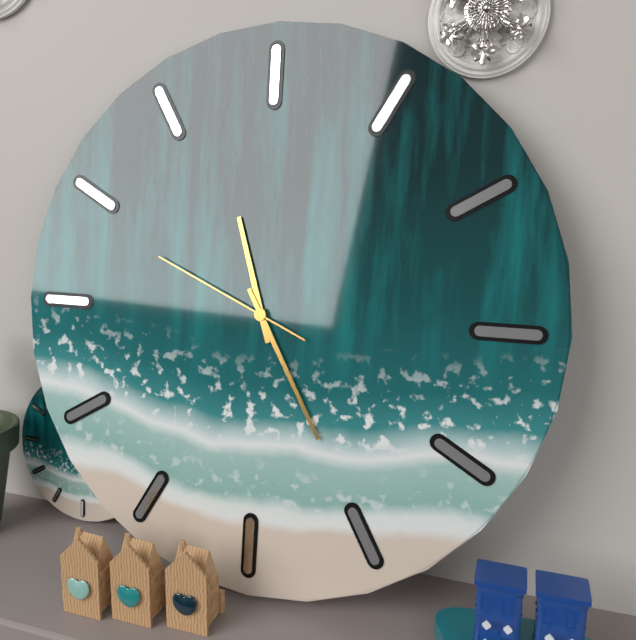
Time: h=11 m=25 s=49
